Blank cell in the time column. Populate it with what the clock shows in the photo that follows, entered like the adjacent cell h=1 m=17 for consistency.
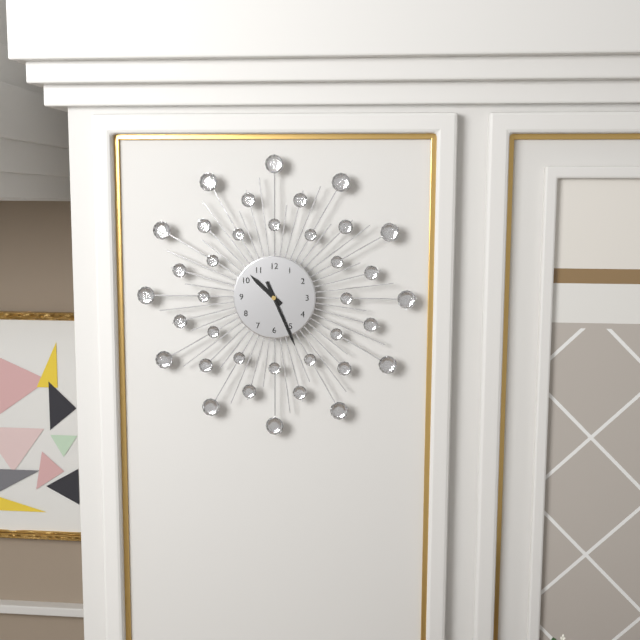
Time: h=10 m=26
